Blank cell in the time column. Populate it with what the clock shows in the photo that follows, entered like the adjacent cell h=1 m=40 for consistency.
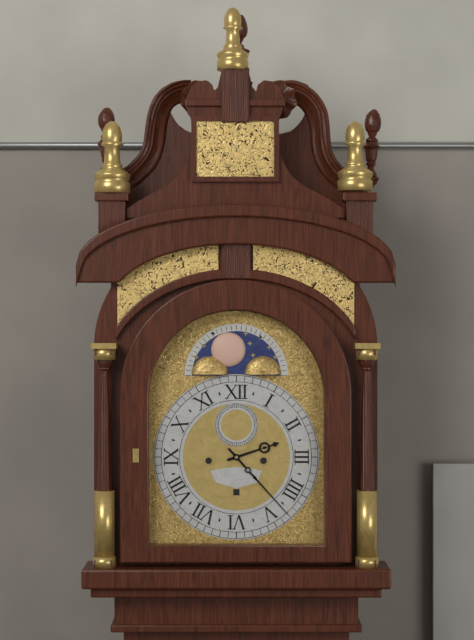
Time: h=2 m=23
